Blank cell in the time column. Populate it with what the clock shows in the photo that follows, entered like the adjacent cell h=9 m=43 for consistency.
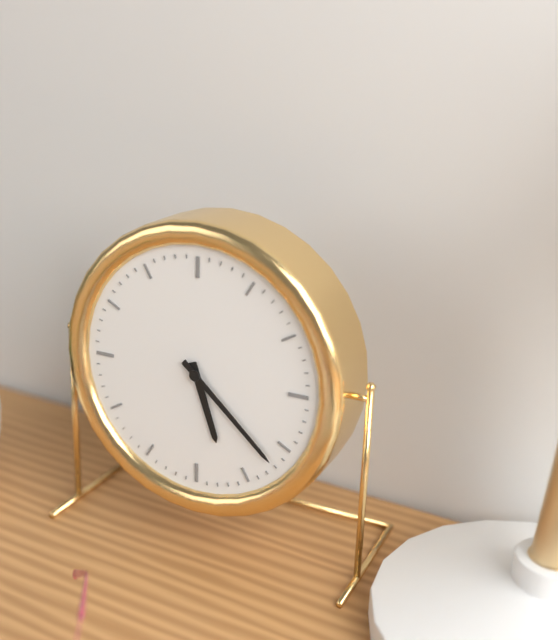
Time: h=5 m=22
